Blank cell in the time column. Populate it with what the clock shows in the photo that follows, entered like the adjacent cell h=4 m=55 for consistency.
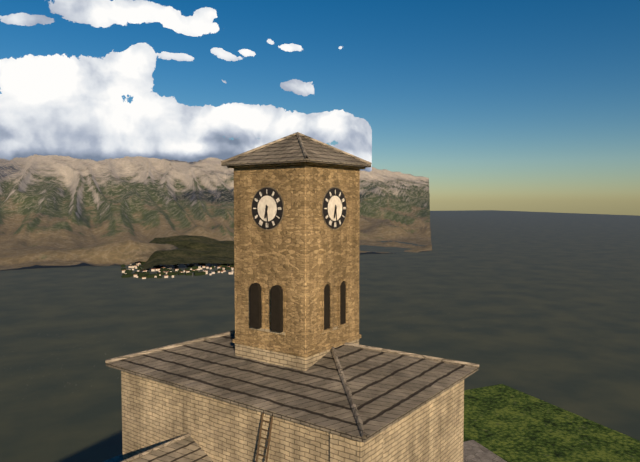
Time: h=6 m=29
